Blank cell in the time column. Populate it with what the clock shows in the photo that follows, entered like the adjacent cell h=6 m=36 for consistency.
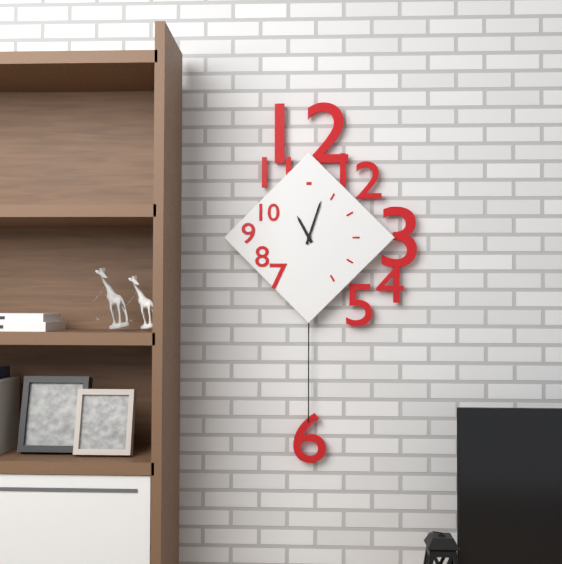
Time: h=11 m=3
